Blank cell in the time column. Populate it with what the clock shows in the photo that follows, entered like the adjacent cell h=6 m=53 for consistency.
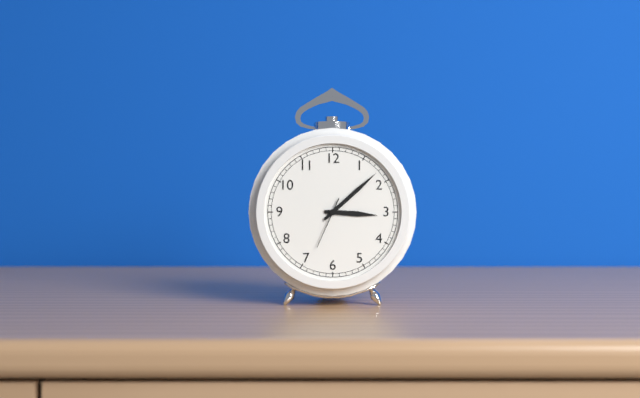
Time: h=3 m=8
